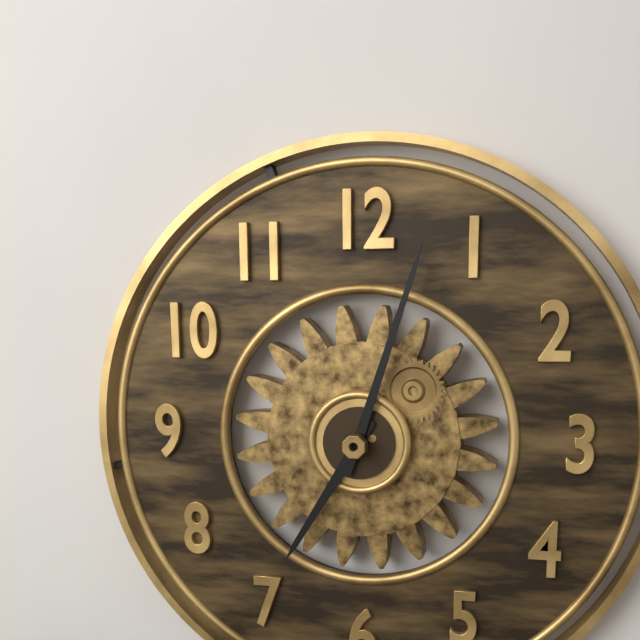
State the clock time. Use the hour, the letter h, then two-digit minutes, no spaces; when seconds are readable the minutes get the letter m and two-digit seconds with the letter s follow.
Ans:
7h03
